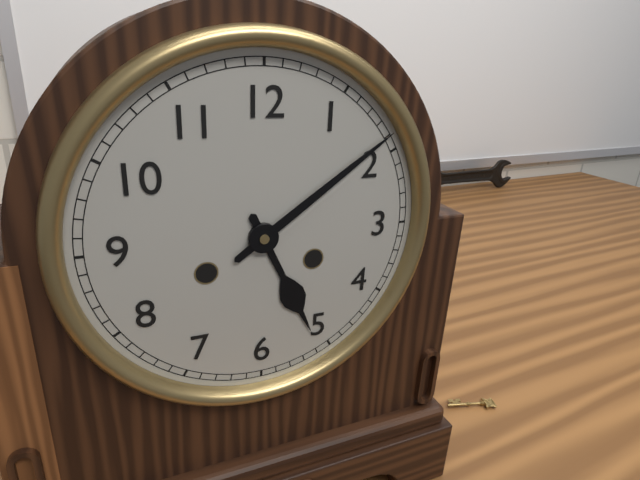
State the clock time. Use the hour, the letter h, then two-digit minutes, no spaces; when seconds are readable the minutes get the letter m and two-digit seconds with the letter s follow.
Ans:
5h09
